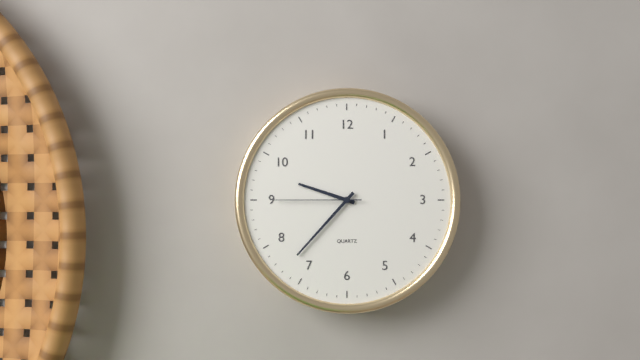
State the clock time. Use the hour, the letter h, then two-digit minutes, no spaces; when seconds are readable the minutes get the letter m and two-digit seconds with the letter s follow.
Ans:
9h37m45s
